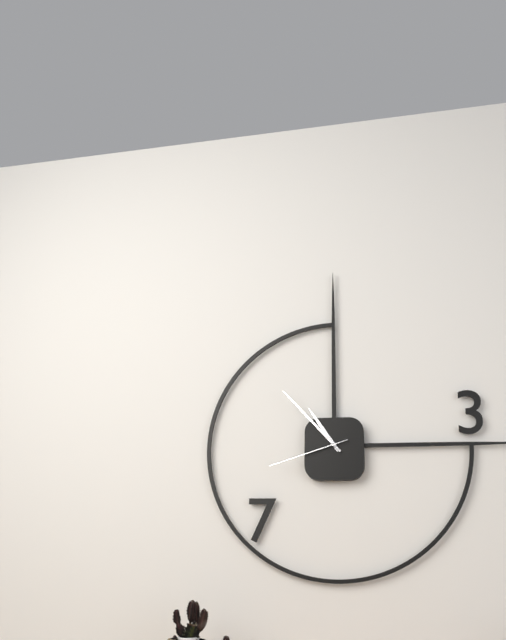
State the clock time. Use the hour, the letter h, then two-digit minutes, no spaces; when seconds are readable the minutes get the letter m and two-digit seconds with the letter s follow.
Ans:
10h53m42s
